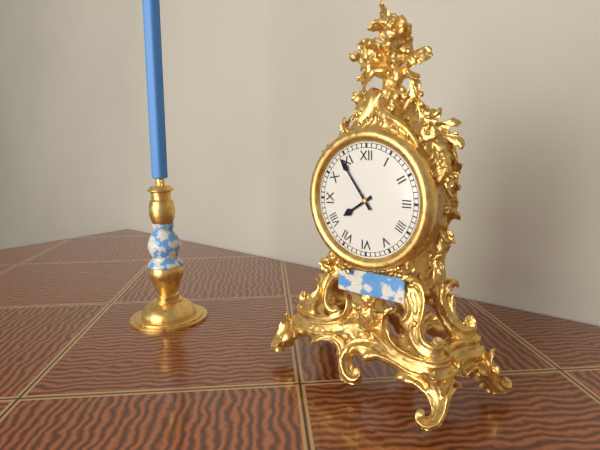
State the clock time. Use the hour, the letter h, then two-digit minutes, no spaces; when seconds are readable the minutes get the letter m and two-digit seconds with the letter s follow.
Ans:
7h54
